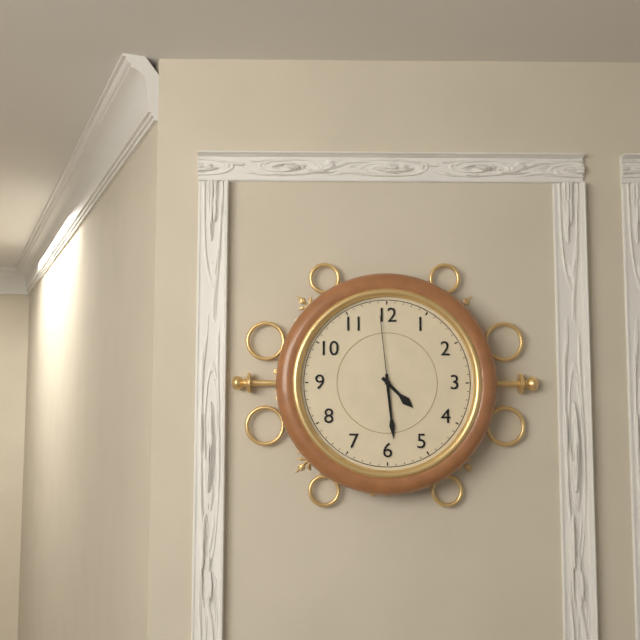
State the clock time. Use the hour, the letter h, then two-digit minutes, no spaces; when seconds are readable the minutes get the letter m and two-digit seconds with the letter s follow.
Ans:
4h29m59s
